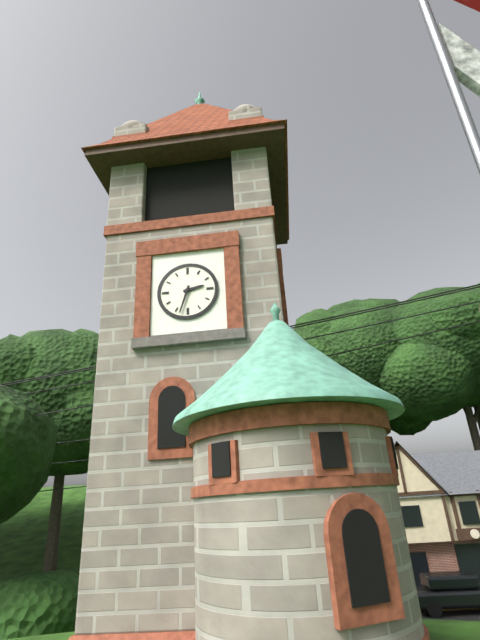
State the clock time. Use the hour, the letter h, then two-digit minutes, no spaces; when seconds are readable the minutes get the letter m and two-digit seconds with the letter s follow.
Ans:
2h33
